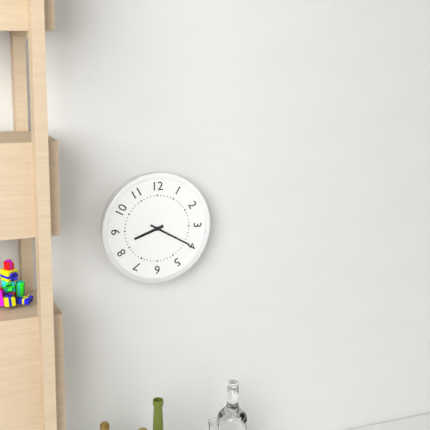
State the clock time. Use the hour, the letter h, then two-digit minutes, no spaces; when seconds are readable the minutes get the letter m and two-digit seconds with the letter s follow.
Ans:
8h20
